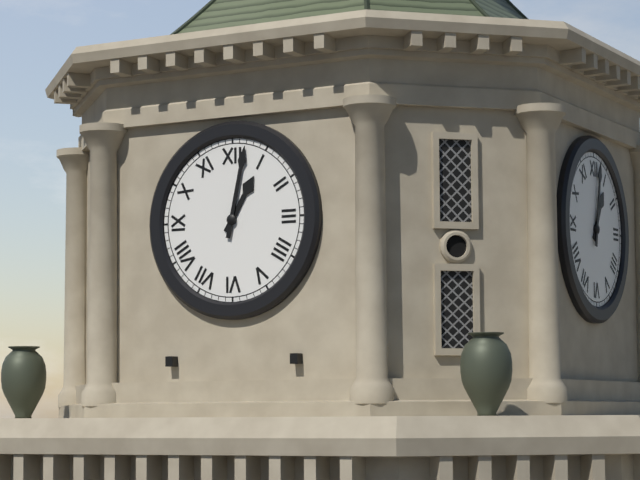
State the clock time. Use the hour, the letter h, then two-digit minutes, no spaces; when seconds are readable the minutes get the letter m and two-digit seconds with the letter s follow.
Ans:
1h02
